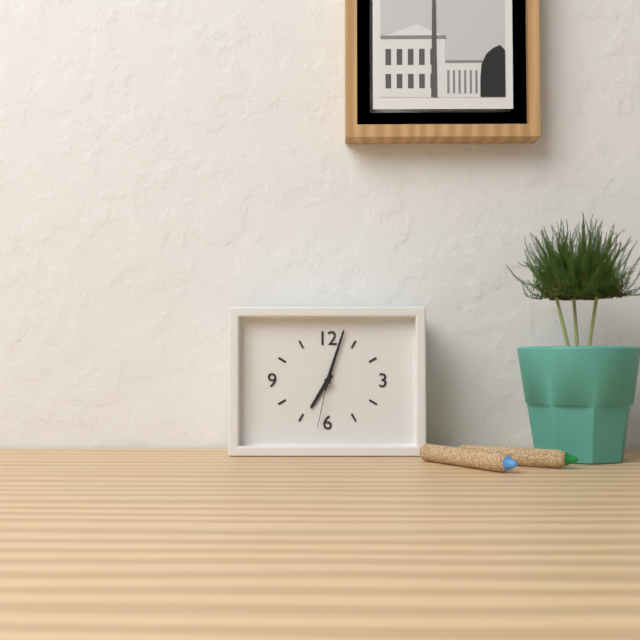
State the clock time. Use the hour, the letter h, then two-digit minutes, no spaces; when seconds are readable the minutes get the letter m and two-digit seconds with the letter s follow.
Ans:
7h03m32s
